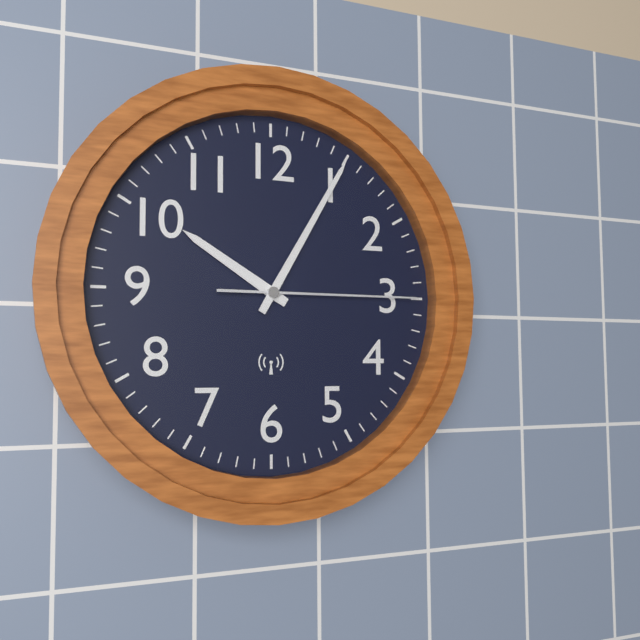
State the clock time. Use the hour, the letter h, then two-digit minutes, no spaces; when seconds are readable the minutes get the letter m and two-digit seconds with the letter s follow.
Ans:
10h05m15s
